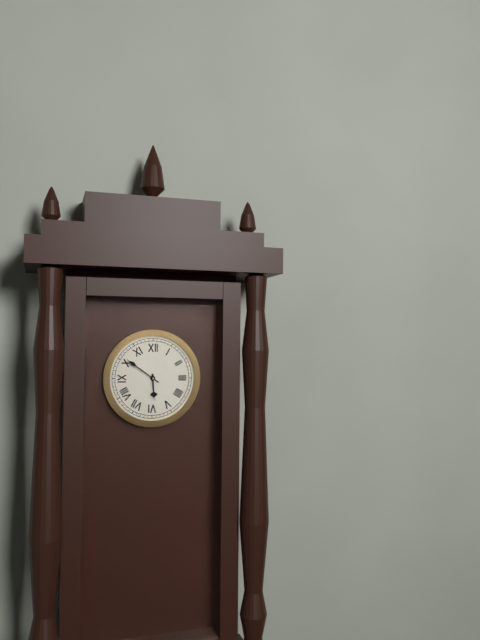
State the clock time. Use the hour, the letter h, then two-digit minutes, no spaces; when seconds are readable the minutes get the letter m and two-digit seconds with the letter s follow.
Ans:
5h51
